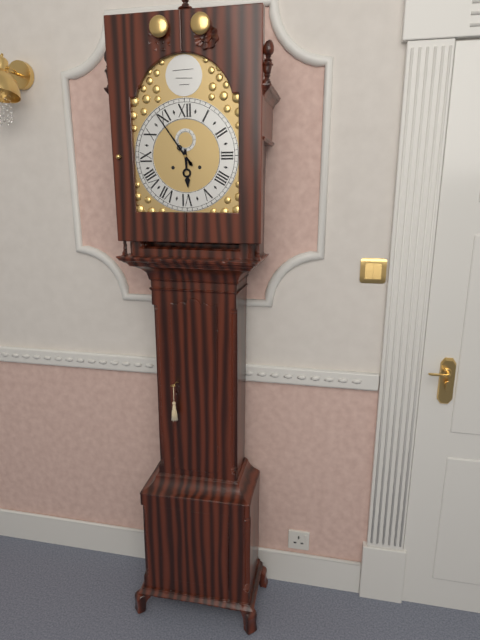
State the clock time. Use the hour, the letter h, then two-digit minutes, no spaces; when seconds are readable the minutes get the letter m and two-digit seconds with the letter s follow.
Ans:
5h54
